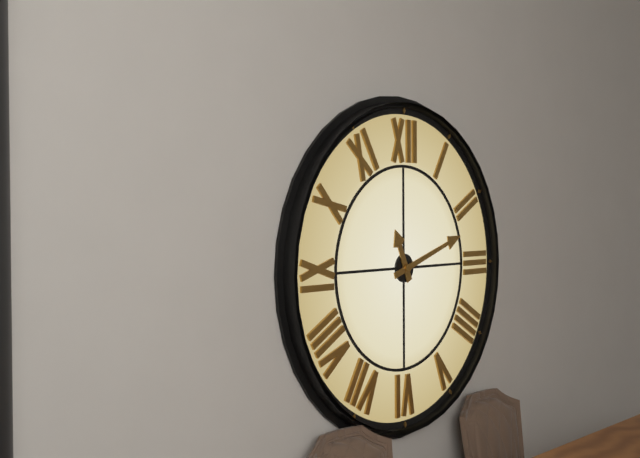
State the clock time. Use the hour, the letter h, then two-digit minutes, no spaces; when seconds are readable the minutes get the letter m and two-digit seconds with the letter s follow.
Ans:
11h12
